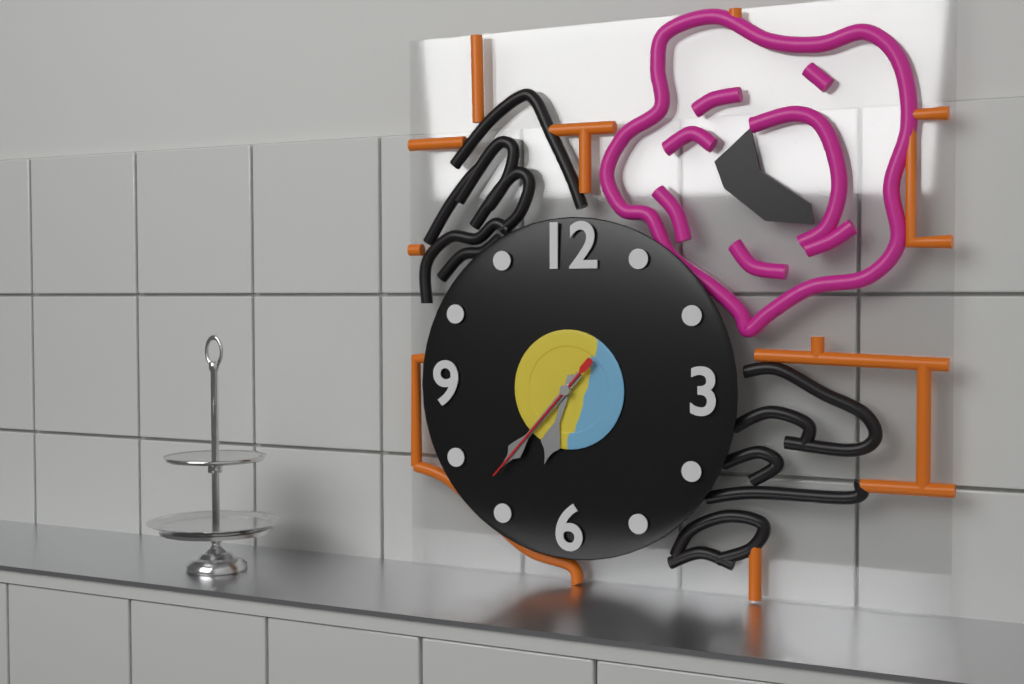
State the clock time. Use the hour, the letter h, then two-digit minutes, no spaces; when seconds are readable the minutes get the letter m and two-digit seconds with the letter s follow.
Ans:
6h37m37s
